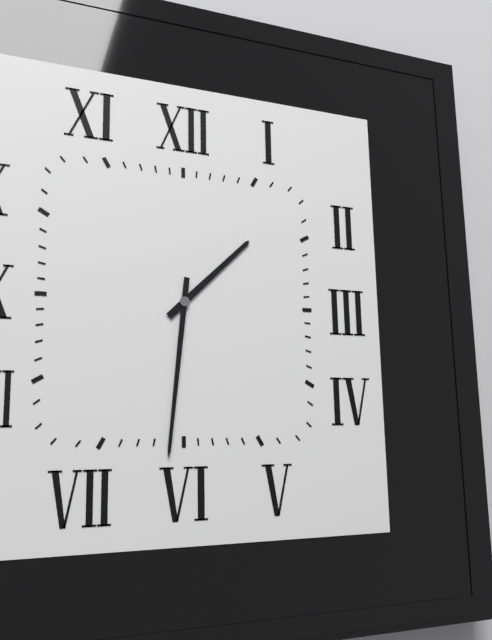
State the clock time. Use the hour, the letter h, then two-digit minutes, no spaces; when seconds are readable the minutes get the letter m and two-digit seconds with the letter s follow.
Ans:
1h31
